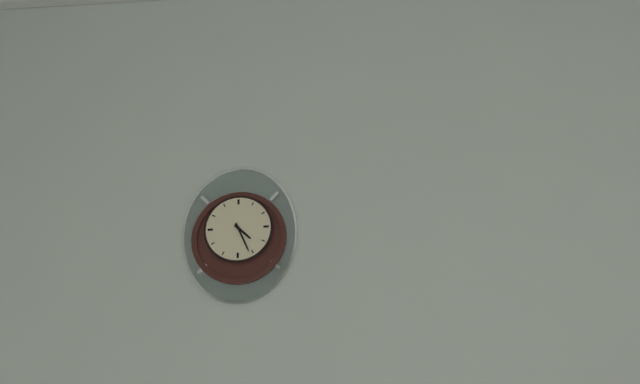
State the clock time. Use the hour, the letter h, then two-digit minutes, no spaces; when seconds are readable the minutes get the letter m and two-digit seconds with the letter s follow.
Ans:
4h26
